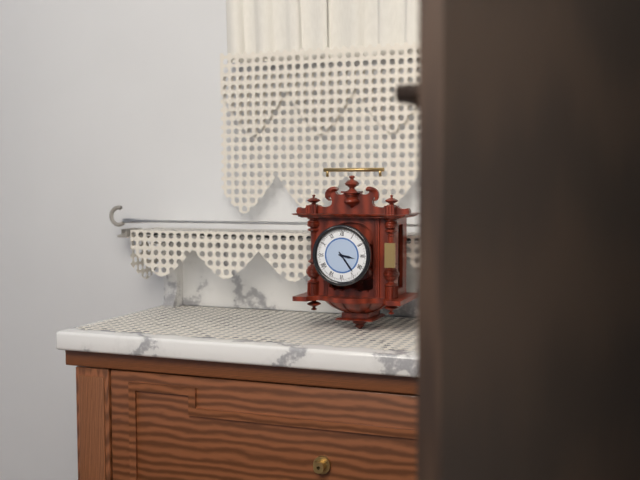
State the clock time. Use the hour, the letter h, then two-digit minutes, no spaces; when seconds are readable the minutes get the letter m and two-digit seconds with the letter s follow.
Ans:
3h24
